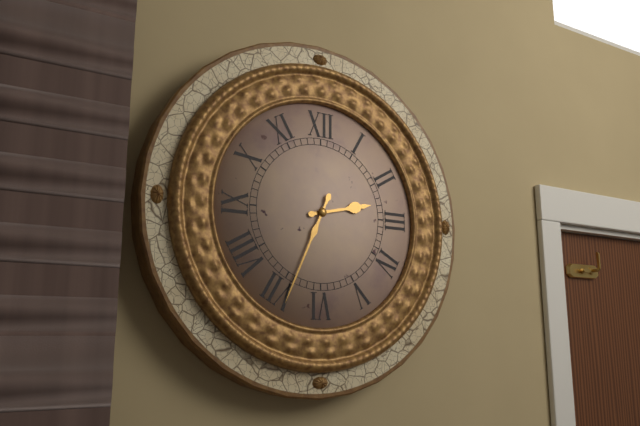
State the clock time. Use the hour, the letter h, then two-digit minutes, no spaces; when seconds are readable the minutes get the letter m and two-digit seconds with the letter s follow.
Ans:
2h34
